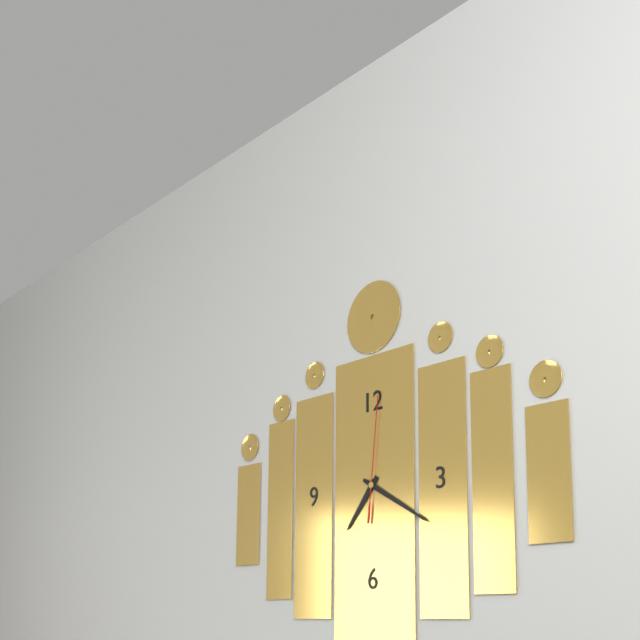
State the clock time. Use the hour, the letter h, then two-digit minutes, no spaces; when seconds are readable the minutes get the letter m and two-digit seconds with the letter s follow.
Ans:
7h20m01s
